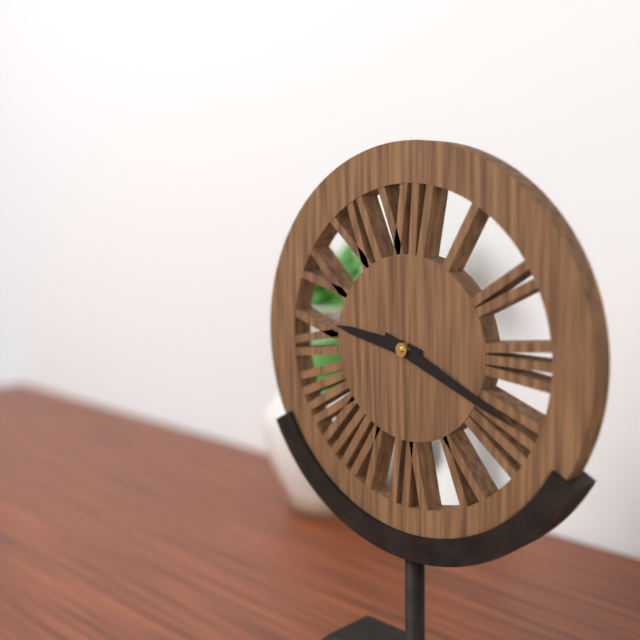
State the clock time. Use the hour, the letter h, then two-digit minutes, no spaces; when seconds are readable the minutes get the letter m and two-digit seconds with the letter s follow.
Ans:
9h19
